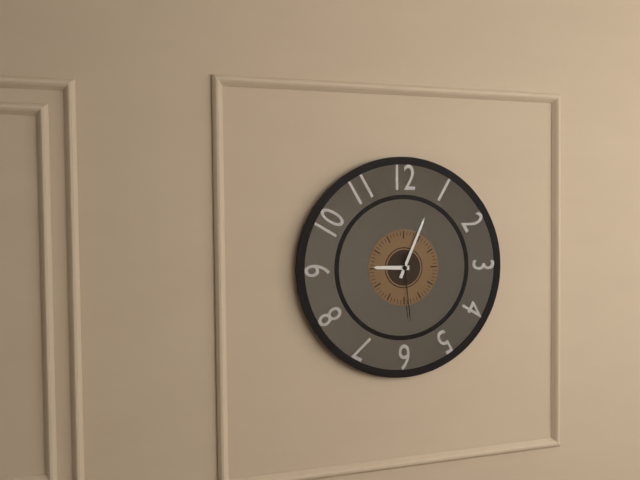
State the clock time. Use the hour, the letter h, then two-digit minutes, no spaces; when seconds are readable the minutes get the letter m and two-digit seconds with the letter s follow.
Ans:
9h04m29s
